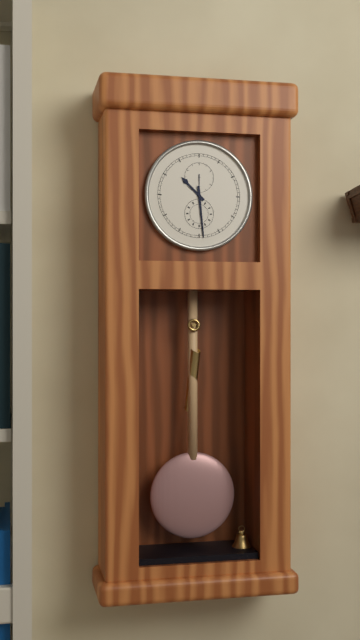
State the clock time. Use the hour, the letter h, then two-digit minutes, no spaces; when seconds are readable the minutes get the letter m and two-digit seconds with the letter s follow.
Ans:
10h29
